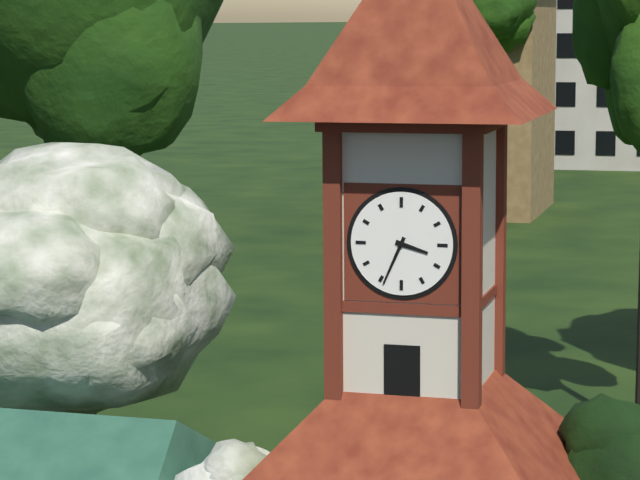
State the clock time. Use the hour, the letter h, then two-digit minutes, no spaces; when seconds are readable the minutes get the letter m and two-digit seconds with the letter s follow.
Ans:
3h34
